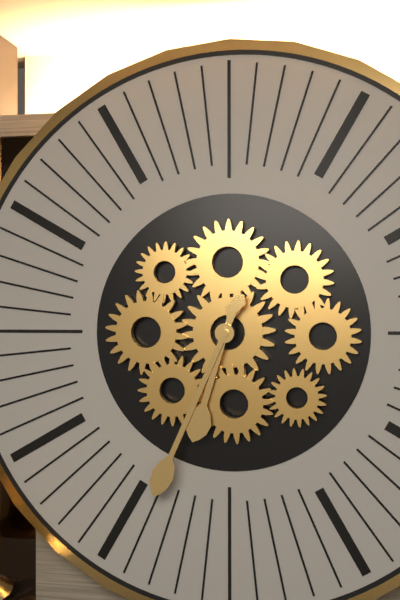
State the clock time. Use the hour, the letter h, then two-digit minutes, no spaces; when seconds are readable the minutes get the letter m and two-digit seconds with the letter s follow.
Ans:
6h34
